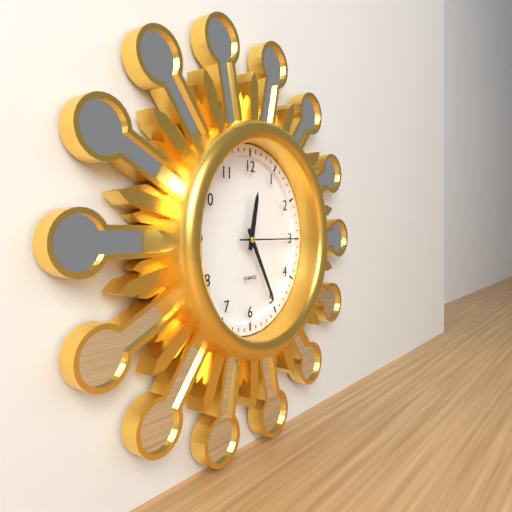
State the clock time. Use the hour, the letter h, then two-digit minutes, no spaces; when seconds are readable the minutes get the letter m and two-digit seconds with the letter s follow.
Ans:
12h25m15s
